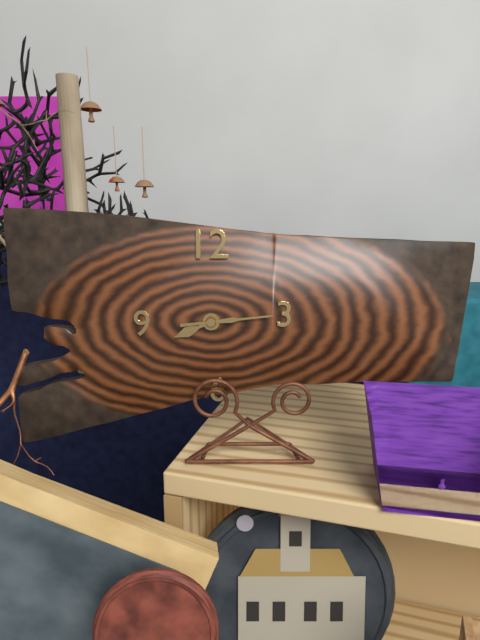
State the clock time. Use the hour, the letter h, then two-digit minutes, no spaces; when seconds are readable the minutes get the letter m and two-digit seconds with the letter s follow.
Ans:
8h14
